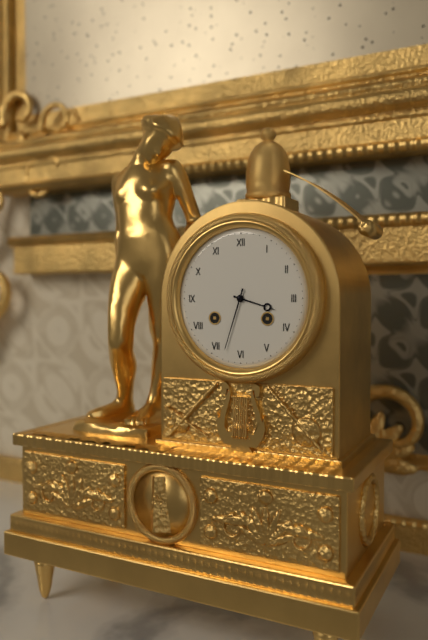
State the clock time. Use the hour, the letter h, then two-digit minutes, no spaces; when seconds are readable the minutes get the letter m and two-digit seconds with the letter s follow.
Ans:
3h33
